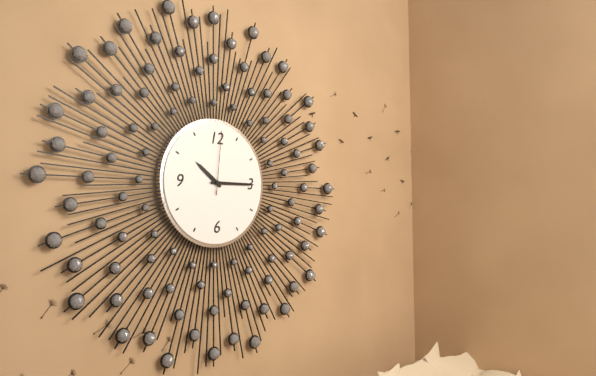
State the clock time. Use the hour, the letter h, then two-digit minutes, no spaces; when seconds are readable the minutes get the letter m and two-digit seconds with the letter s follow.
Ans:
10h15m01s
